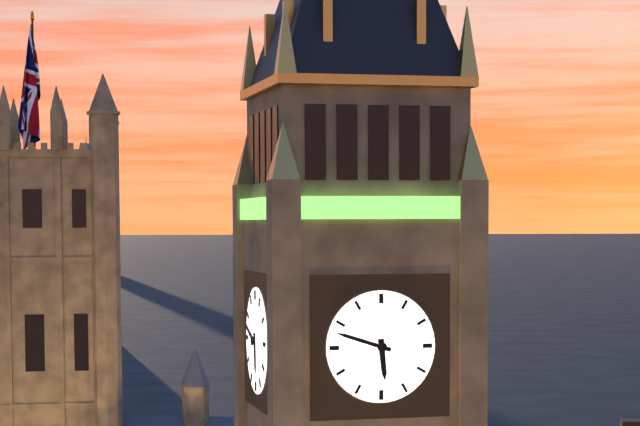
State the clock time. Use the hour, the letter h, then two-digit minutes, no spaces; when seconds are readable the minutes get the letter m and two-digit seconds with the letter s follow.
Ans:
5h48
